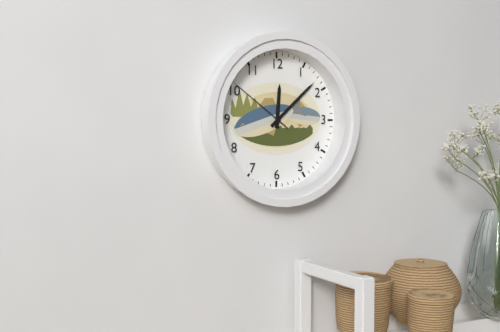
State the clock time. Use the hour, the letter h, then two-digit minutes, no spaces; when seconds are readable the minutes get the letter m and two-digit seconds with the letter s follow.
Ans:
12h08m51s
